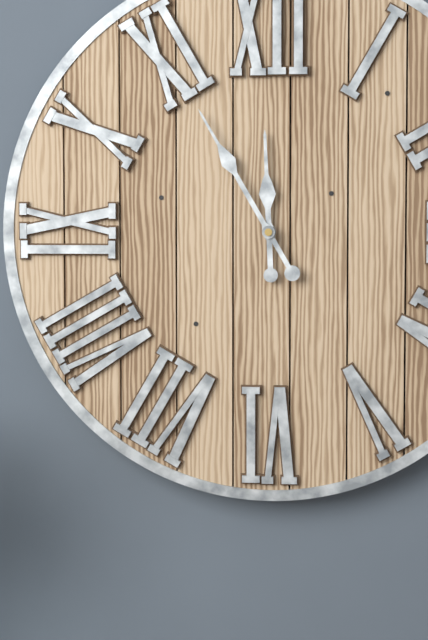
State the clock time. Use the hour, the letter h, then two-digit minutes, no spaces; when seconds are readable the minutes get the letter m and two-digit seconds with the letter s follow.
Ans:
11h55
